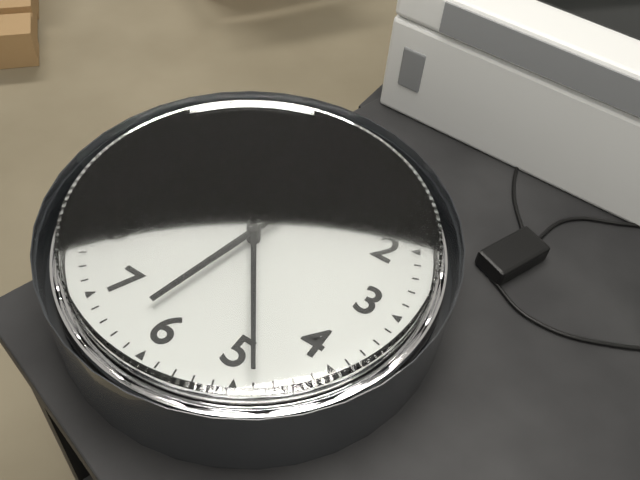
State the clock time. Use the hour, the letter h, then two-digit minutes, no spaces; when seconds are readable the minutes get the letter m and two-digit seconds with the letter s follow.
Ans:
6h24
